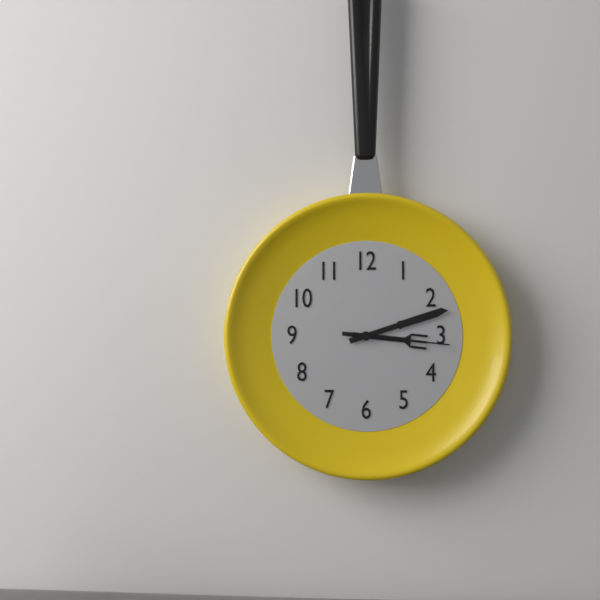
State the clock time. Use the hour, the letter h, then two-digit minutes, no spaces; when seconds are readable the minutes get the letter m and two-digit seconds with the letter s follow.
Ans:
3h12m16s
